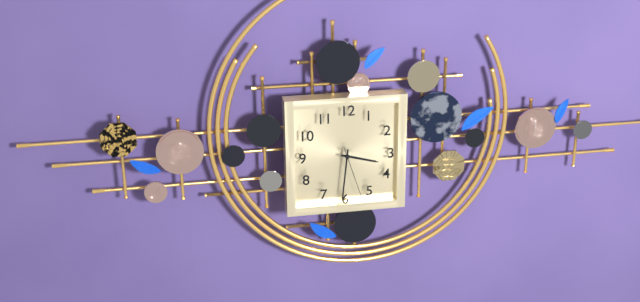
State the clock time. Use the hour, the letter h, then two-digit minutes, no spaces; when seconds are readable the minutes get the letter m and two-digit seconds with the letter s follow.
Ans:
3h31m27s
